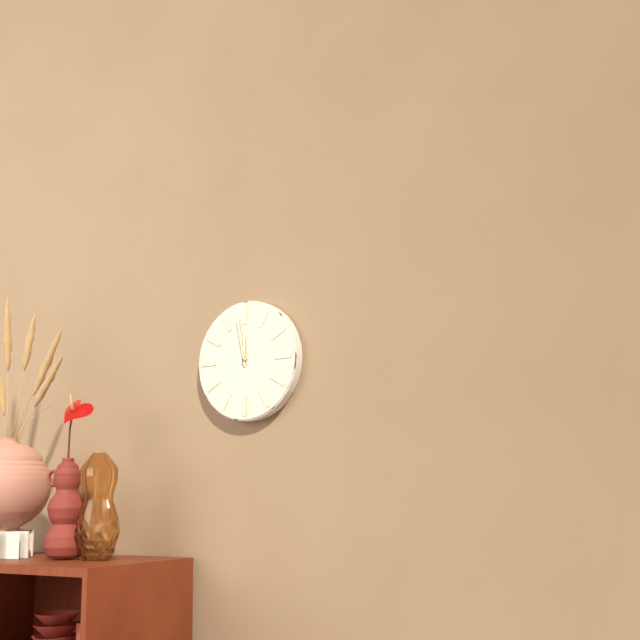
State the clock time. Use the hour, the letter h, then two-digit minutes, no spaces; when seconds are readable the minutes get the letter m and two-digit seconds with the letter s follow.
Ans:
11h58
